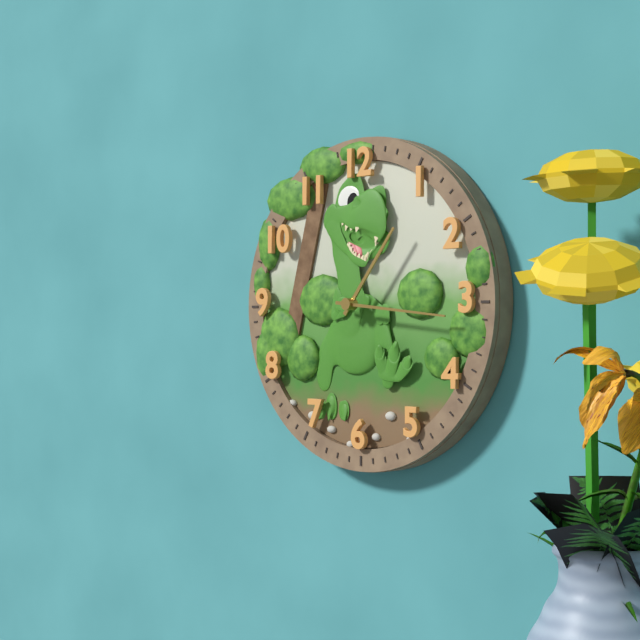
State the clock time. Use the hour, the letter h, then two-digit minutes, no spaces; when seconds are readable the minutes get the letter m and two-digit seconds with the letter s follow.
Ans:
1h16
